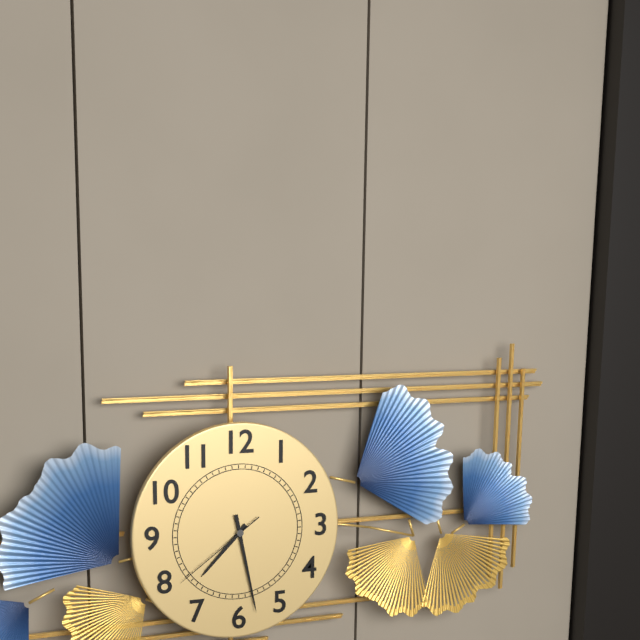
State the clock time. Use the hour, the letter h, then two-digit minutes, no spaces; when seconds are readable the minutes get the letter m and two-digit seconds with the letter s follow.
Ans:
7h28m39s
